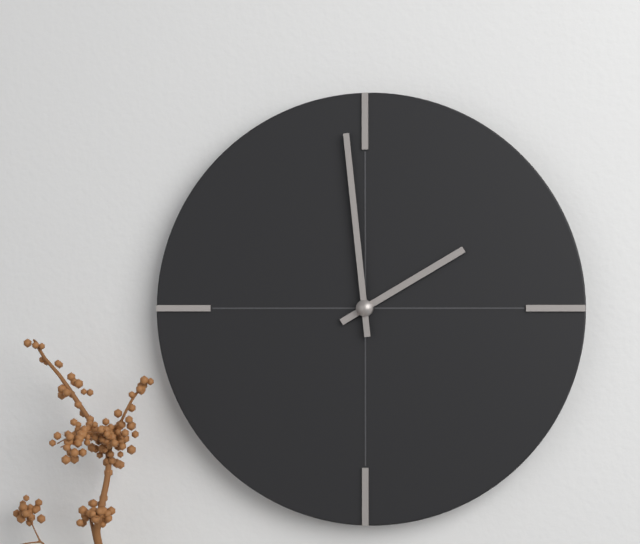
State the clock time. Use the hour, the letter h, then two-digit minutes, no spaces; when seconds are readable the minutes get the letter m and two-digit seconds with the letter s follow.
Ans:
1h59
